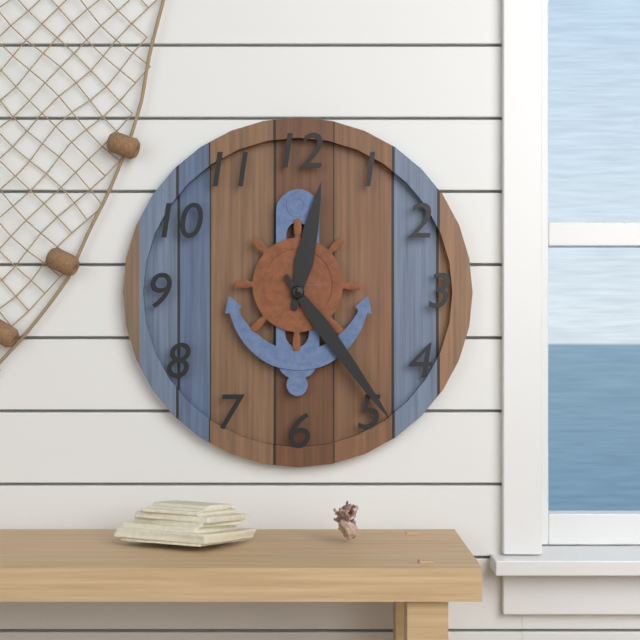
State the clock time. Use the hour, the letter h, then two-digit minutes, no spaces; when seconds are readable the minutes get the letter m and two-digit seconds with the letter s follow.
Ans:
12h24
